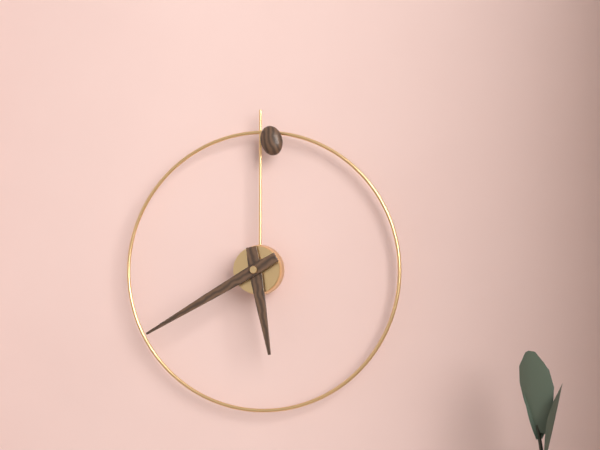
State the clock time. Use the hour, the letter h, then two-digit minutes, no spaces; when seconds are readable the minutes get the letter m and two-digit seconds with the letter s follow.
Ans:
5h40
